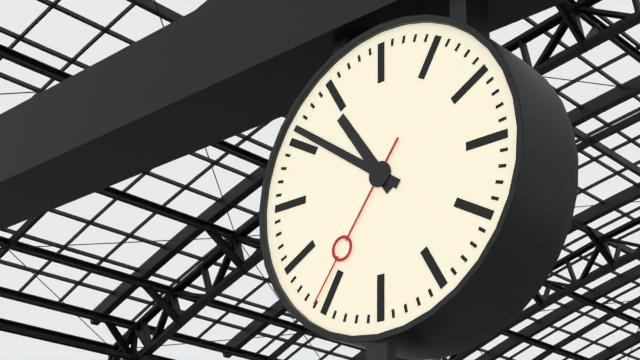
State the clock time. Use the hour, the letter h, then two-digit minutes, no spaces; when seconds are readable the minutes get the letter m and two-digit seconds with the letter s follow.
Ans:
10h51m36s
